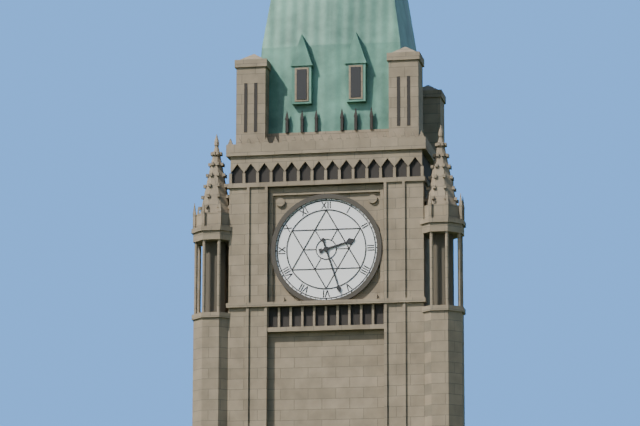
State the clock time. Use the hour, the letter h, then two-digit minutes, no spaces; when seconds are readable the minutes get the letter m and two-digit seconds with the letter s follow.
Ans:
2h27
